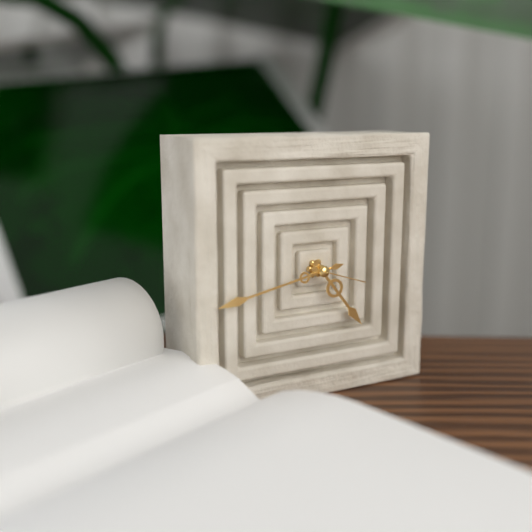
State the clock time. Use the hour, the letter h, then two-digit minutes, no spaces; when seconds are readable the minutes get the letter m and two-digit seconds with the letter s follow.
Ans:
4h43m18s
